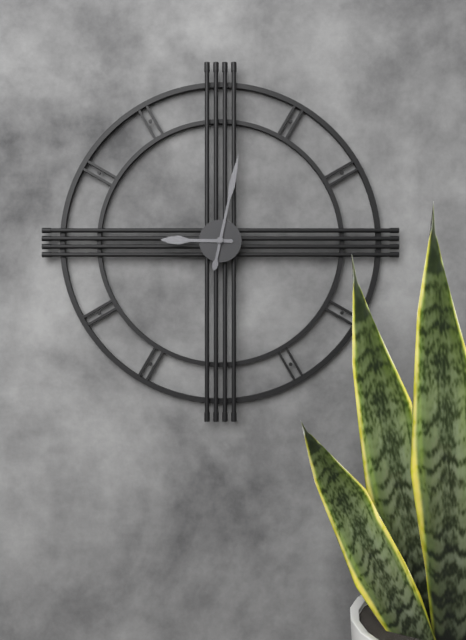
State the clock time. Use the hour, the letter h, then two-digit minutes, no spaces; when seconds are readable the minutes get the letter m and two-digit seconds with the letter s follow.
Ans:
9h02
